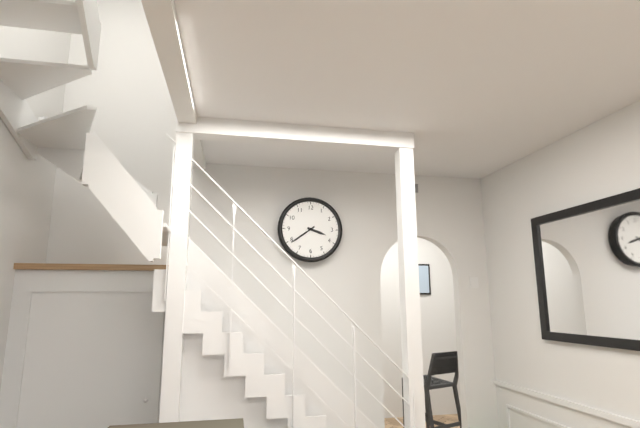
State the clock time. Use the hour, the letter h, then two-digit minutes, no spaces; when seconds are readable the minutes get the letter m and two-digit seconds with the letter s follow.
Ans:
3h39
